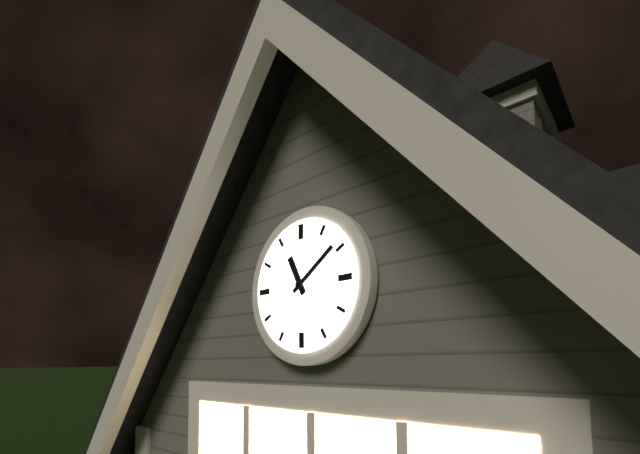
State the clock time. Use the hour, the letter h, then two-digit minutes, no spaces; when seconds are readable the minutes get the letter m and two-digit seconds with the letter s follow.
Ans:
11h09
